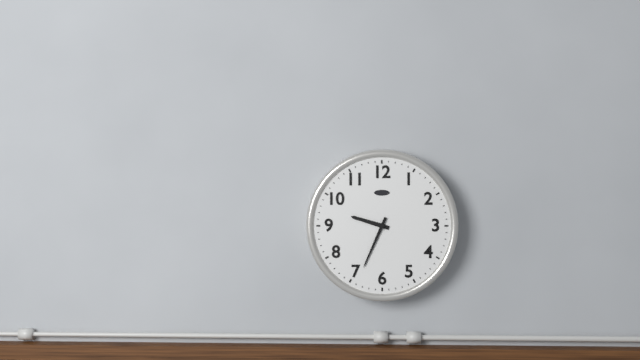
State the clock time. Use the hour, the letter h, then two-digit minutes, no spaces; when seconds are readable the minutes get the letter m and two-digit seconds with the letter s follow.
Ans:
9h34
